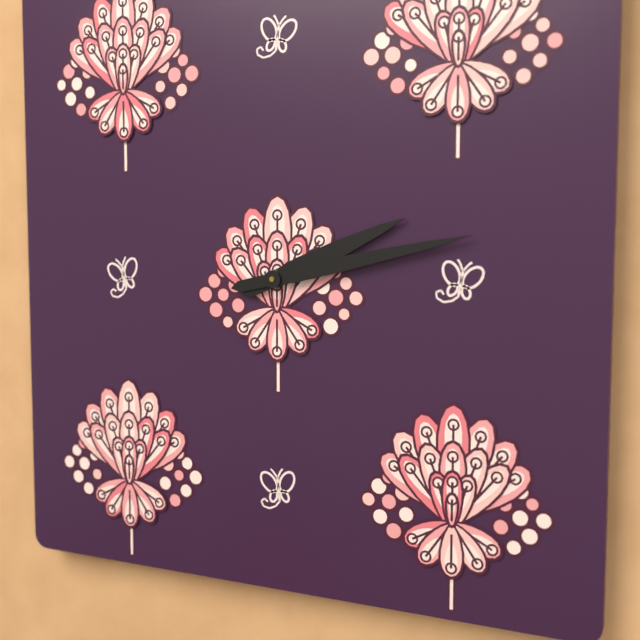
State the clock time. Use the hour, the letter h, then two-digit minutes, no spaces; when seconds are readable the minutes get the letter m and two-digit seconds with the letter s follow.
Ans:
2h13
